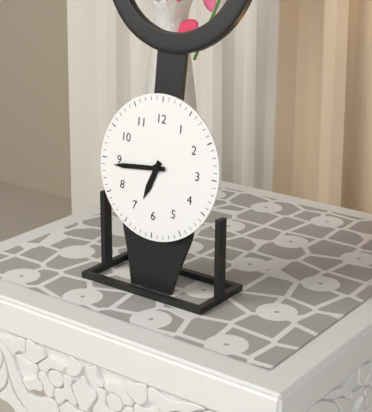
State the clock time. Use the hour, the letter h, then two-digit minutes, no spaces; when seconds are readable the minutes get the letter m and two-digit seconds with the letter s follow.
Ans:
6h44
